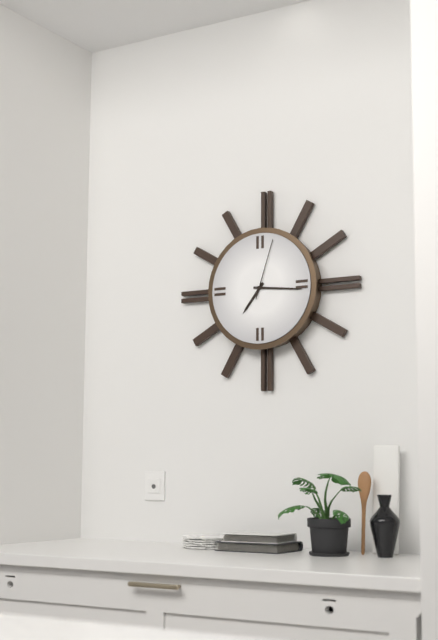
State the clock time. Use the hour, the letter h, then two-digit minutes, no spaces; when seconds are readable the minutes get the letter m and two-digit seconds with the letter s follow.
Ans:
7h16m03s
